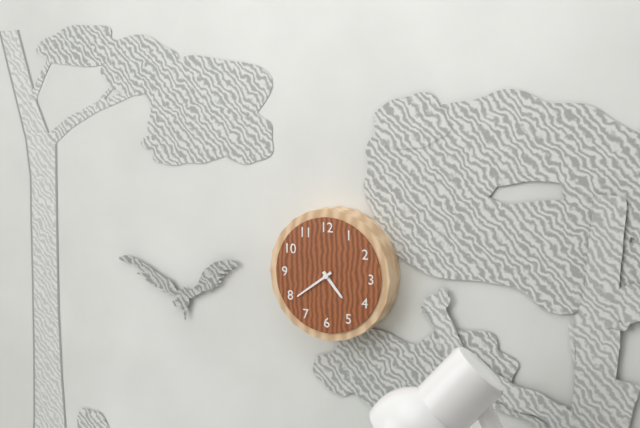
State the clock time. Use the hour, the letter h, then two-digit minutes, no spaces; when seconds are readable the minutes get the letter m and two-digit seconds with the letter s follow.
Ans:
4h39
